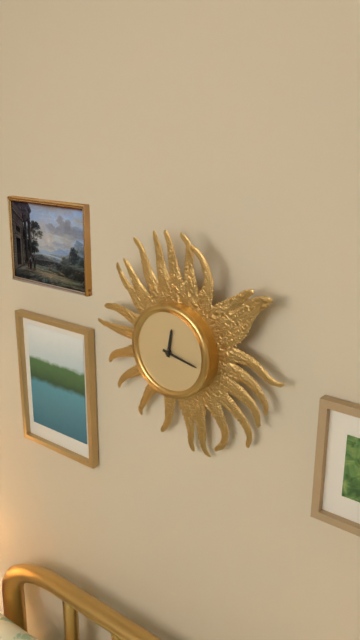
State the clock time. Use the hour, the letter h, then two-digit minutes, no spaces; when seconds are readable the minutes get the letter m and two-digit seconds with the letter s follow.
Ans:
12h17
